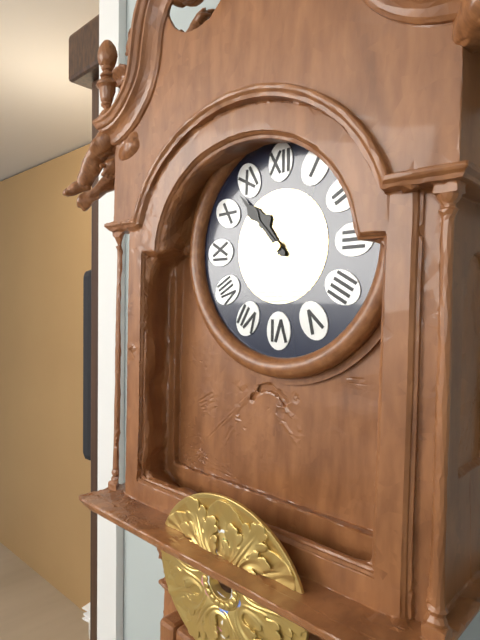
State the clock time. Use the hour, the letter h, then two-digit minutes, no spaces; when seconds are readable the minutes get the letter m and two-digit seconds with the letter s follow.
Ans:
10h53
